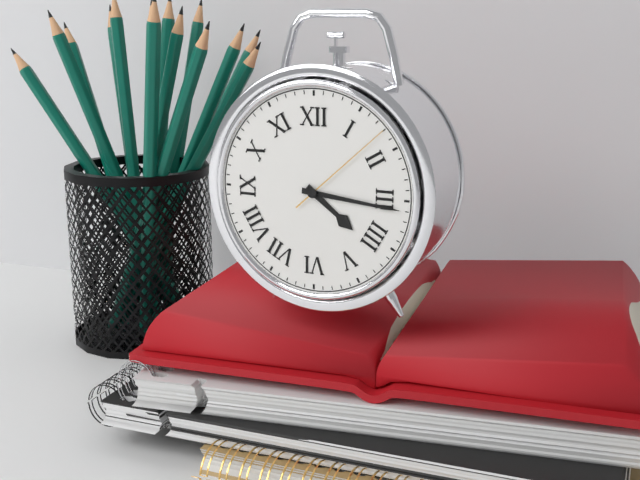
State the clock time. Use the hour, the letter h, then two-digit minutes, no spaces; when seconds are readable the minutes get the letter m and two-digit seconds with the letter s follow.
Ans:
4h16m08s
